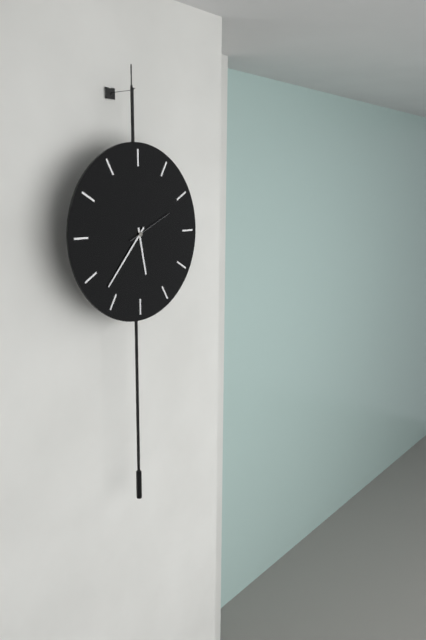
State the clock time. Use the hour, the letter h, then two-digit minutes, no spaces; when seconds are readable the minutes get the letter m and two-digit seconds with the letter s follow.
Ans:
5h37
